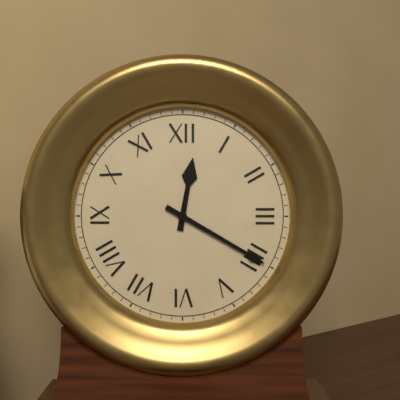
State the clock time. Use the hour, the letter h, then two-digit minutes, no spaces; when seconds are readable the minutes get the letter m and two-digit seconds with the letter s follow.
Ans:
12h20
